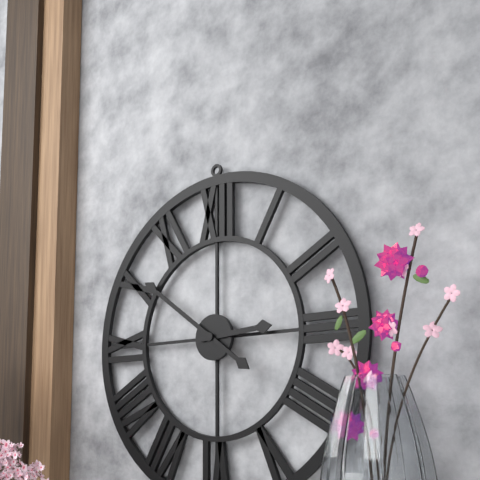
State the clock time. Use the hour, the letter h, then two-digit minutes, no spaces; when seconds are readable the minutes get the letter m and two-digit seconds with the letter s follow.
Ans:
2h51
